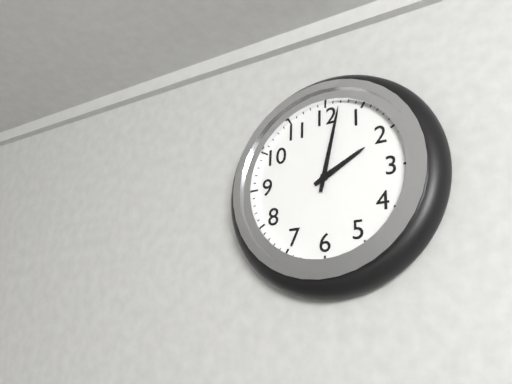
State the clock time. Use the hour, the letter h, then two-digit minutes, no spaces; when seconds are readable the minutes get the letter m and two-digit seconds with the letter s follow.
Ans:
2h02
